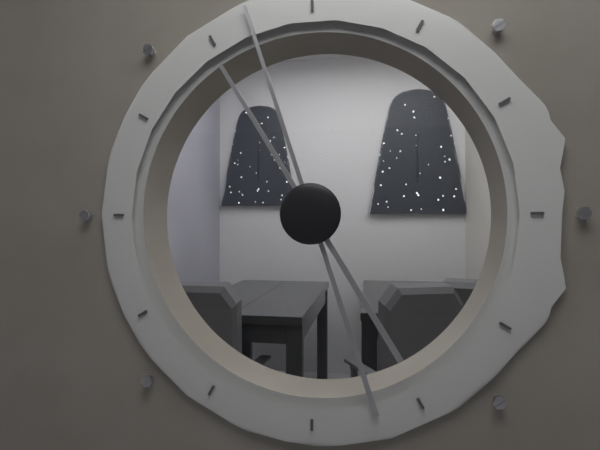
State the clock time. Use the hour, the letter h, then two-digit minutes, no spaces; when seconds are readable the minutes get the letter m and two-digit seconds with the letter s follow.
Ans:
10h57
